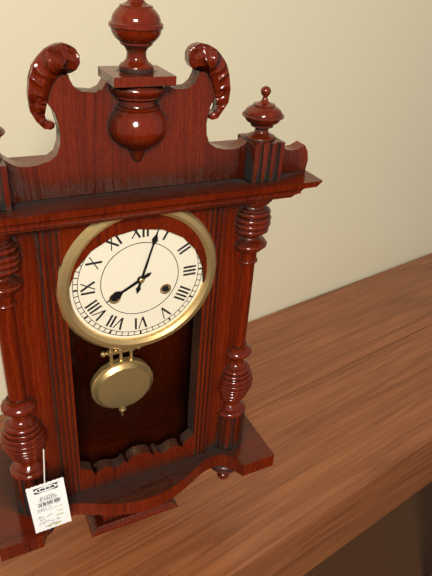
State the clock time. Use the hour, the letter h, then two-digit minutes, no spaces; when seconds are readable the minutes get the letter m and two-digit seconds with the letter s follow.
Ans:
8h03
